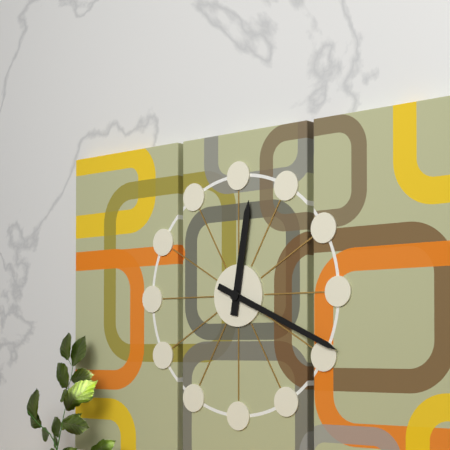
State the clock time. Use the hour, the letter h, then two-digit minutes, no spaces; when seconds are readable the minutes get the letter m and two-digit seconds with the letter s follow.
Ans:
12h19
